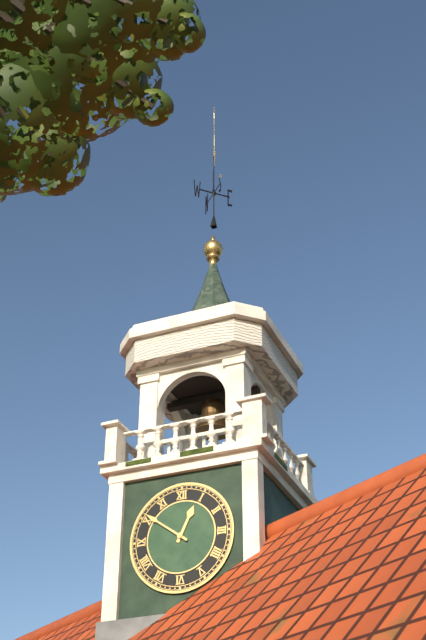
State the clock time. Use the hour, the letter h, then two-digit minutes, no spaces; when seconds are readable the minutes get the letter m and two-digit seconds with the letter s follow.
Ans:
12h51
